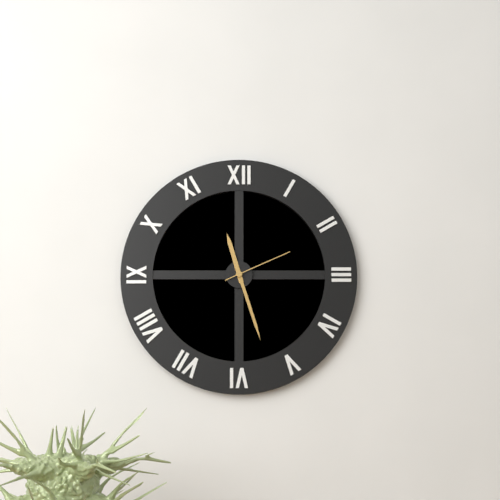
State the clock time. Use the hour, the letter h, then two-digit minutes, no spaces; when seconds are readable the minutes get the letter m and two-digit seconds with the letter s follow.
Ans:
11h27m11s
